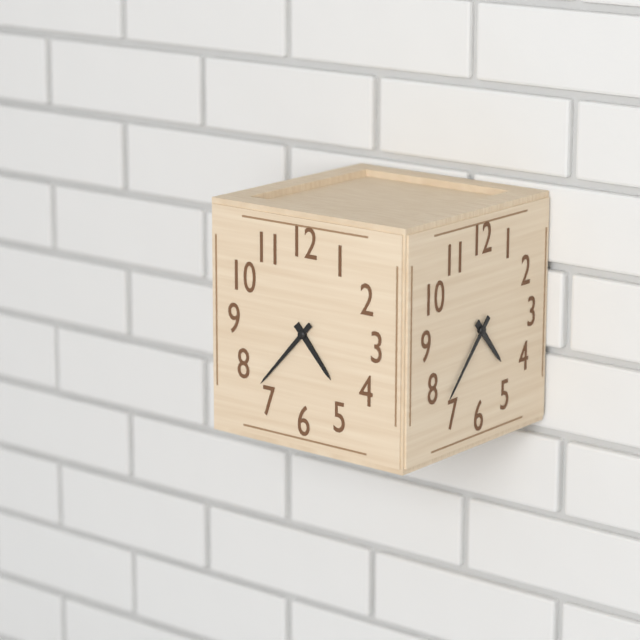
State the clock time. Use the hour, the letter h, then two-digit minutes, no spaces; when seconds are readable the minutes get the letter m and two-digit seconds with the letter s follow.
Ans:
4h37
